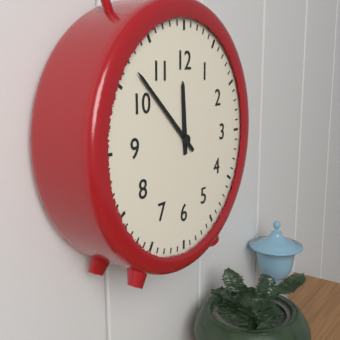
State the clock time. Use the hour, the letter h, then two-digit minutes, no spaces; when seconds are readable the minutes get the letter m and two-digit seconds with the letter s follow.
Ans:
11h52
